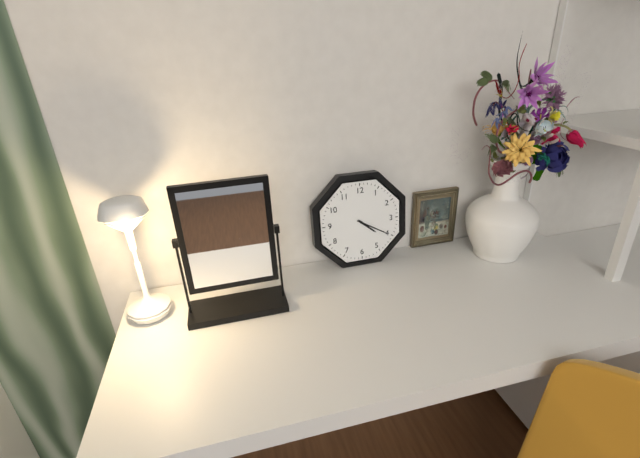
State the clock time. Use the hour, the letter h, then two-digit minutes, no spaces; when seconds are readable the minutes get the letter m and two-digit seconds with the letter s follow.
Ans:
4h20
